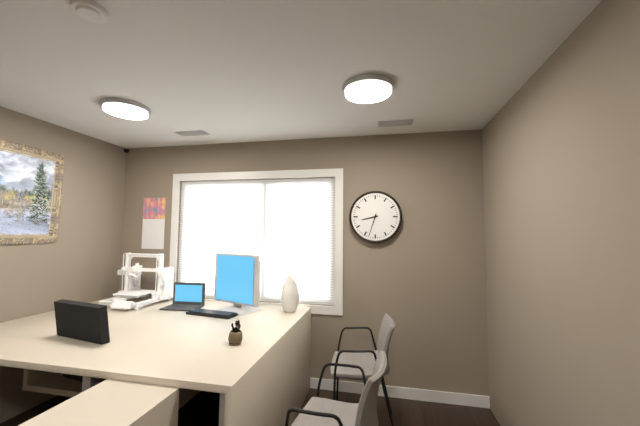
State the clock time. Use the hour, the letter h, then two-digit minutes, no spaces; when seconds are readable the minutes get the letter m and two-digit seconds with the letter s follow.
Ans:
8h33
